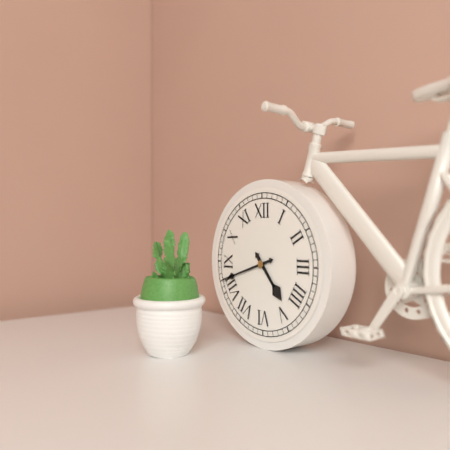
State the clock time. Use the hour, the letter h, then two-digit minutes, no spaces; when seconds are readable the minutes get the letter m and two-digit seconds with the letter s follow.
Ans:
4h42
